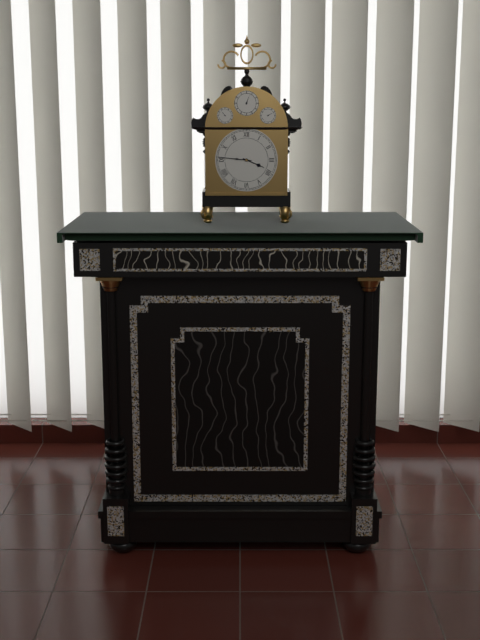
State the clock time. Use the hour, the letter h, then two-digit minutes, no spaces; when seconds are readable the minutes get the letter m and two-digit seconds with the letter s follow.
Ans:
3h46
